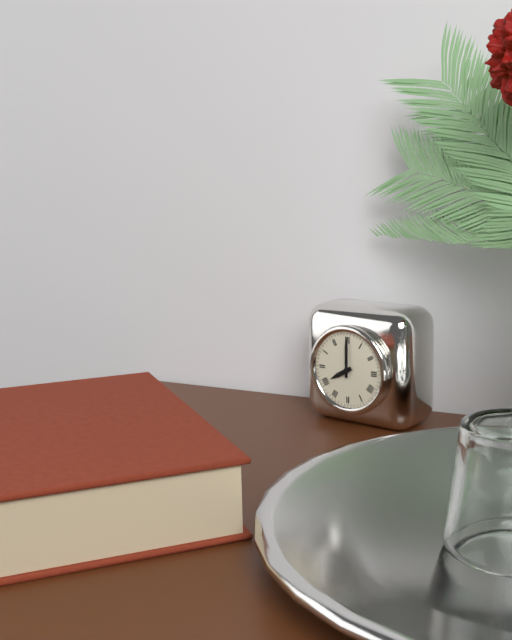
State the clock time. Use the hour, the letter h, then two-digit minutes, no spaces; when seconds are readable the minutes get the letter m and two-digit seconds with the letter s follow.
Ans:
8h00
